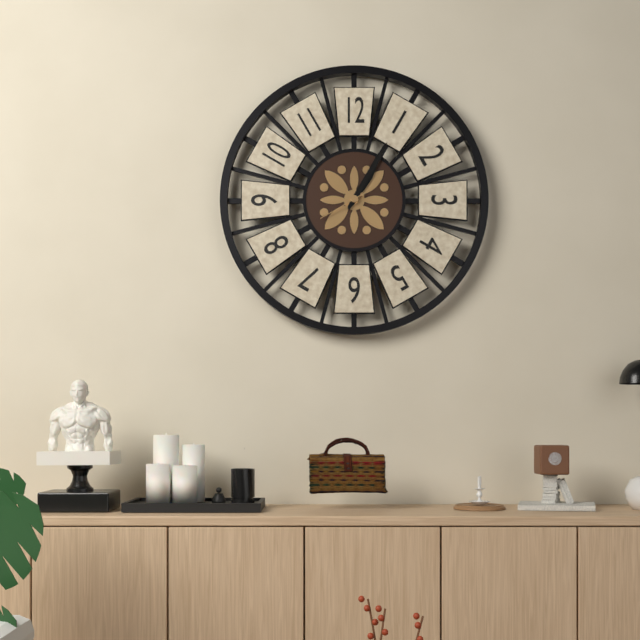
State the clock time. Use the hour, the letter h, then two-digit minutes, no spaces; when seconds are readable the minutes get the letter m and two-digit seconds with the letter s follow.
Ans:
1h05
